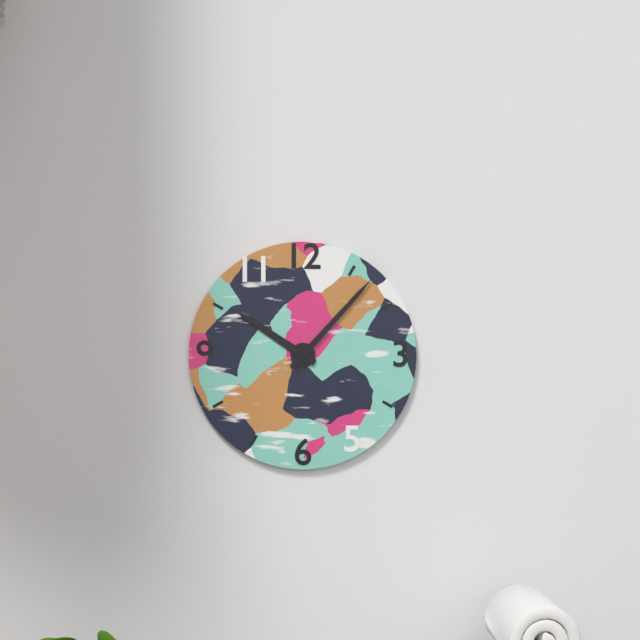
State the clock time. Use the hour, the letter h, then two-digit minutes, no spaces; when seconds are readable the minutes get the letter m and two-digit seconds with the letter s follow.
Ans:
10h07
